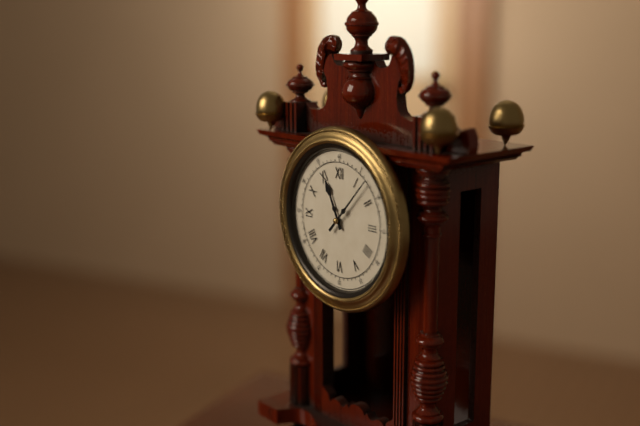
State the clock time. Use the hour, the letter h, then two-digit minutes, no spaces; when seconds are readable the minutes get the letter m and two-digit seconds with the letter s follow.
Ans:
11h07
